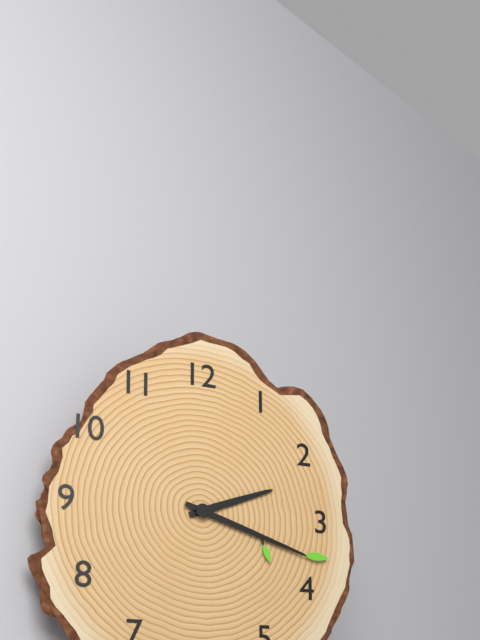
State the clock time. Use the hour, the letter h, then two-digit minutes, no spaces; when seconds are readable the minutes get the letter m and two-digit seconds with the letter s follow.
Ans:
2h18
